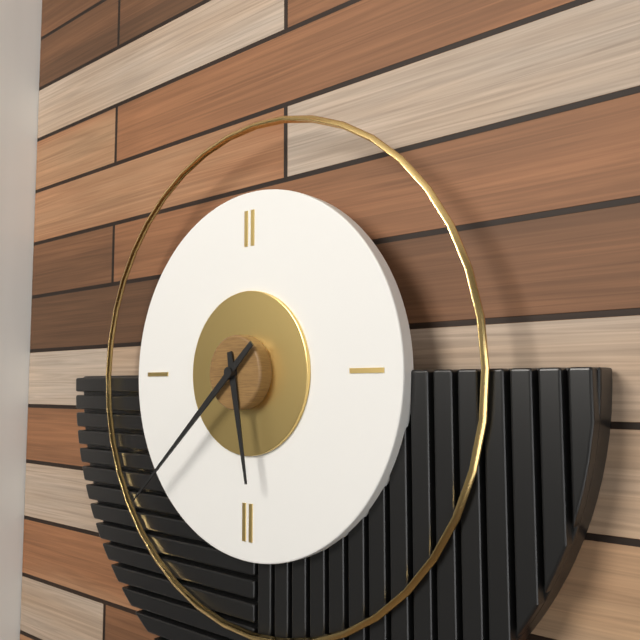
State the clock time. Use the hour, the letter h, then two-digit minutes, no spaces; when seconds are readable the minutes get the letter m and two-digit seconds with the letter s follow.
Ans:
5h38
